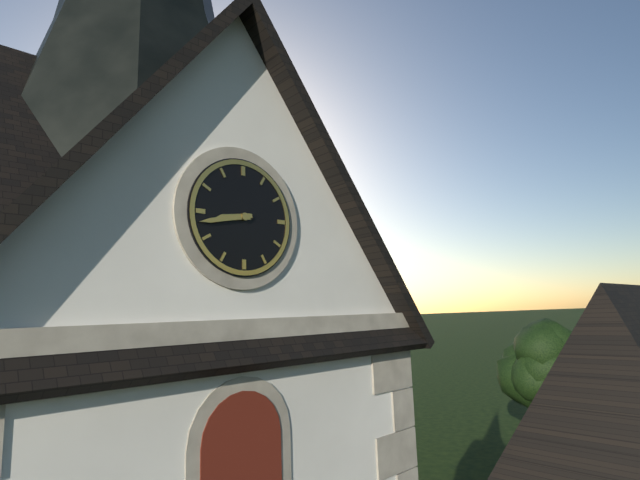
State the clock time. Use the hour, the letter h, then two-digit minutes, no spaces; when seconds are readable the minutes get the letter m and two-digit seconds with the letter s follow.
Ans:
8h43
